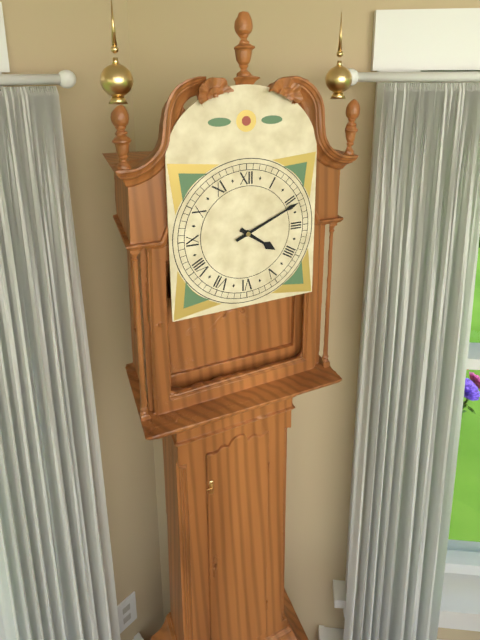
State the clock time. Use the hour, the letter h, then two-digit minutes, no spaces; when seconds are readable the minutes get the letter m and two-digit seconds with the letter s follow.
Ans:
4h11
